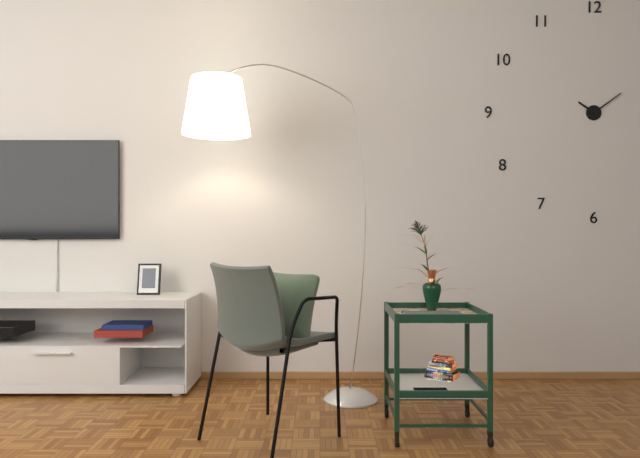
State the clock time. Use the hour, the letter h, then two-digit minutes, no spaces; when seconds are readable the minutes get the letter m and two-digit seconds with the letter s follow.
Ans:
10h09
